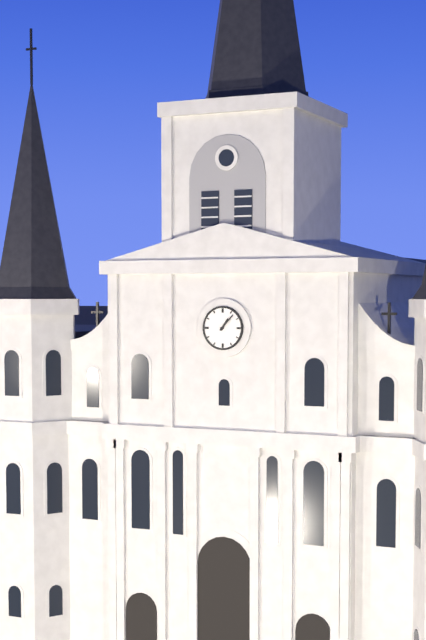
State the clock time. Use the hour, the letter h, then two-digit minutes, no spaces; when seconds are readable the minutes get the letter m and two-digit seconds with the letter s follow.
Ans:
1h07
